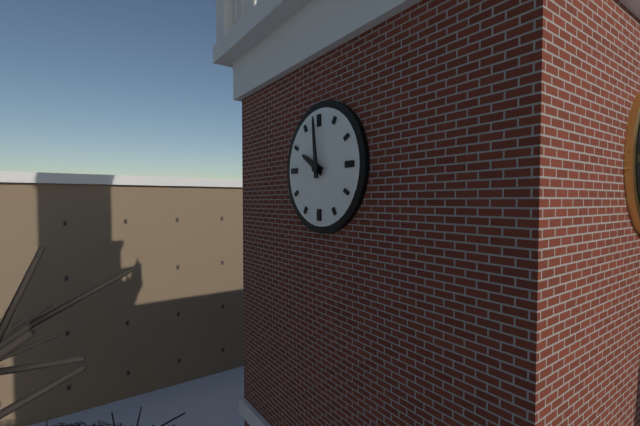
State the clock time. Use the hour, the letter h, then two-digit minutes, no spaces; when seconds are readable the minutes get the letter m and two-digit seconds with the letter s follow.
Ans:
9h59
